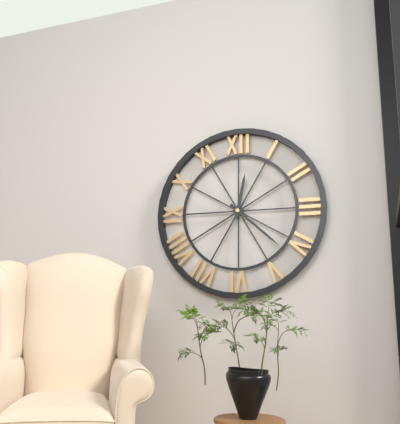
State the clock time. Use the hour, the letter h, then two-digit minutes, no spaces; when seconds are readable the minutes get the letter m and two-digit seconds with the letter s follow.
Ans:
12h22
